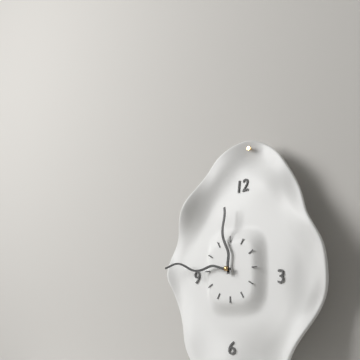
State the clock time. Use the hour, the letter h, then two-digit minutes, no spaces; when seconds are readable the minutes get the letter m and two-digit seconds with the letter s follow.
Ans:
11h46
